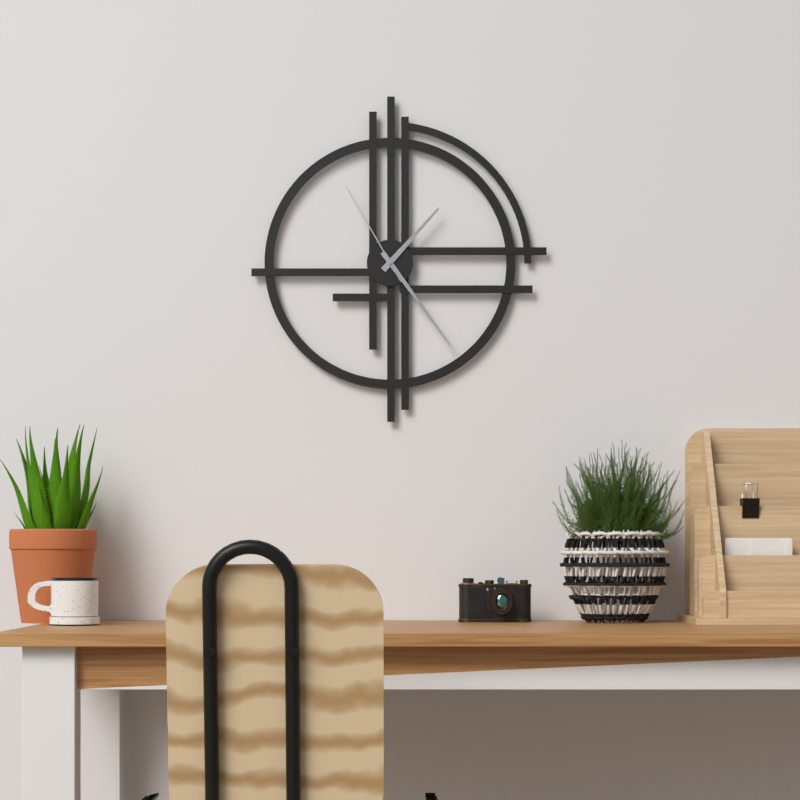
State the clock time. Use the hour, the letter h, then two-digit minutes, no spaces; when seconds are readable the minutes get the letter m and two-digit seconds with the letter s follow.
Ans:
1h24m55s
